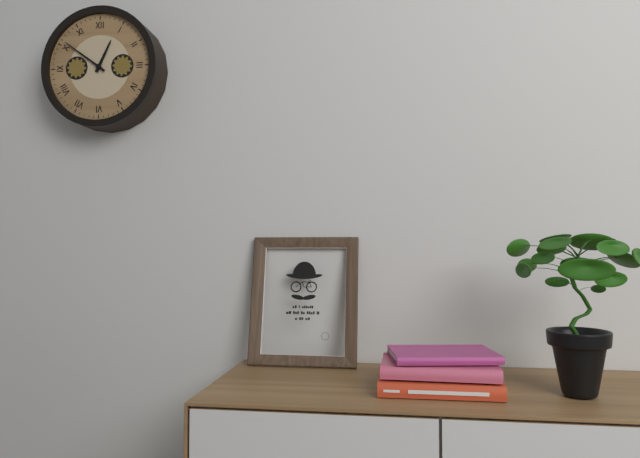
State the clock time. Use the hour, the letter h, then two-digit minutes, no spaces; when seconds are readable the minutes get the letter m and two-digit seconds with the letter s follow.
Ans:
12h51
